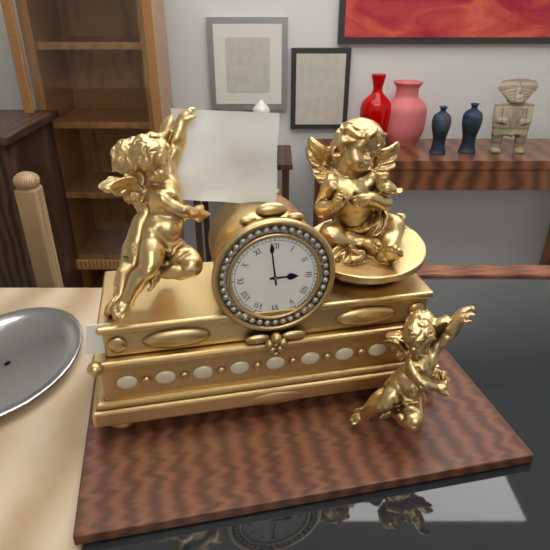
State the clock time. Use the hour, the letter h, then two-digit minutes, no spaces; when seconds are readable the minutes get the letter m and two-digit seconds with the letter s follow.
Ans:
2h59
